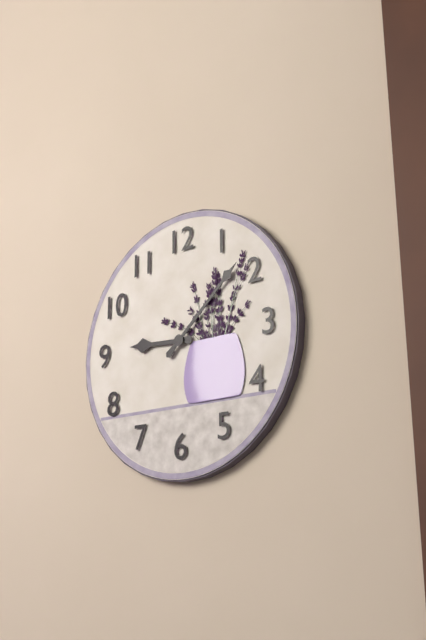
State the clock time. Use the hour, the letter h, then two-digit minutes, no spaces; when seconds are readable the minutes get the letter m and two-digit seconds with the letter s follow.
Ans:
9h08
